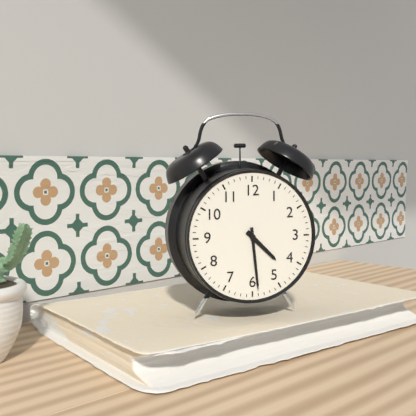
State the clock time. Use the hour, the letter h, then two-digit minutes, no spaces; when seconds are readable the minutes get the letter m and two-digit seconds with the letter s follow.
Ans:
4h29
